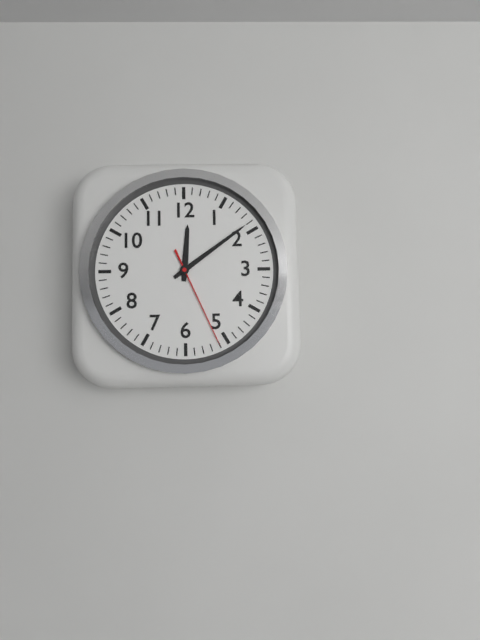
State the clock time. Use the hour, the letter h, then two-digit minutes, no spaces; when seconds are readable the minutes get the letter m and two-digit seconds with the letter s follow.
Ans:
12h09m26s
